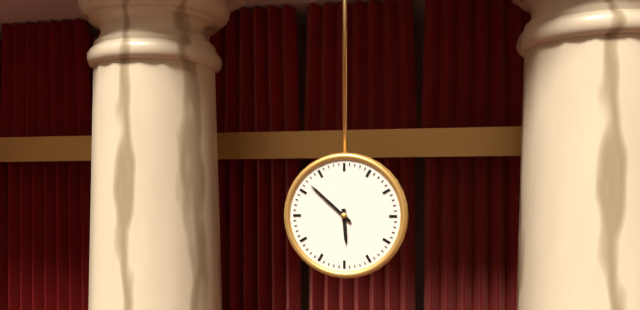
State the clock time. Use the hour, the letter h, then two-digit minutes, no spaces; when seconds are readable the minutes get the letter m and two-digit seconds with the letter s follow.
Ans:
5h52
